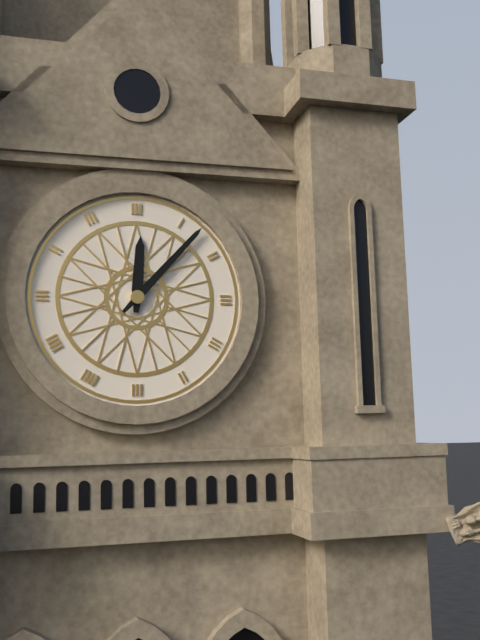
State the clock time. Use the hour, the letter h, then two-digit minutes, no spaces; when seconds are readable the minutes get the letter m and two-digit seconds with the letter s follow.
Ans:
12h07
